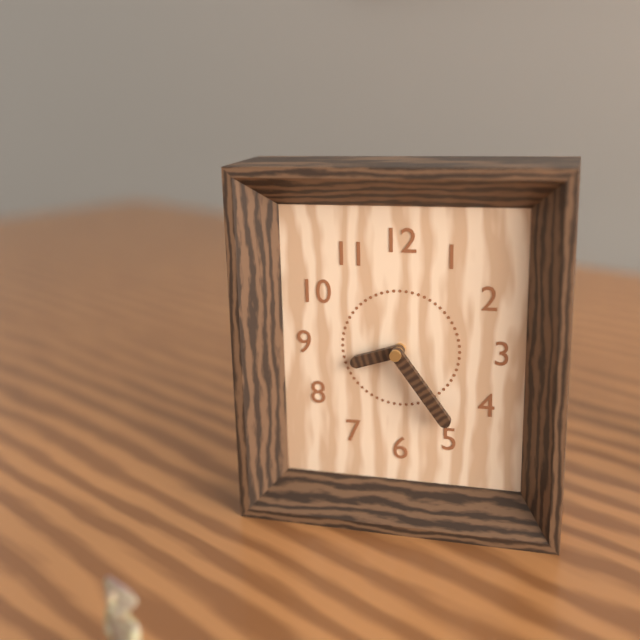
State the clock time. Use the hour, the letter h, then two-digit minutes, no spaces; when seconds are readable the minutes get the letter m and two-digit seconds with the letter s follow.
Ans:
8h24
